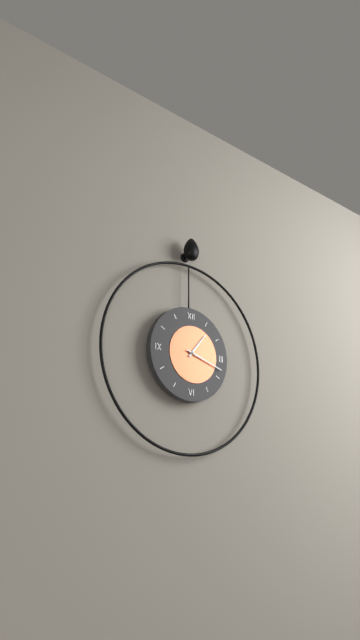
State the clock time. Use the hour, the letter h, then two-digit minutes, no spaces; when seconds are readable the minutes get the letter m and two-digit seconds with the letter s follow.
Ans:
1h18
